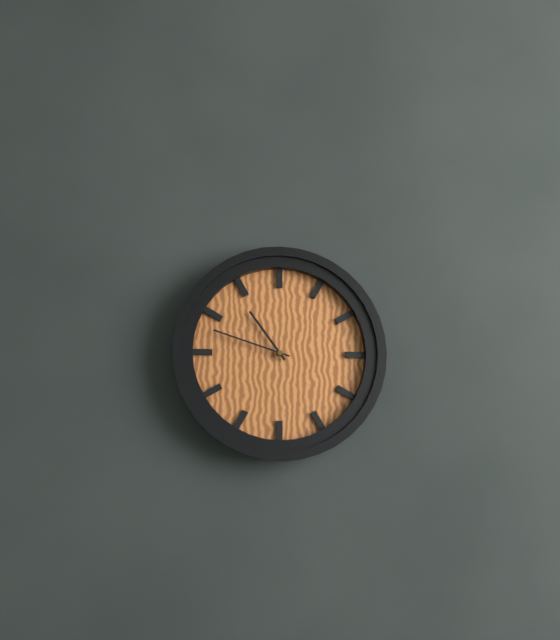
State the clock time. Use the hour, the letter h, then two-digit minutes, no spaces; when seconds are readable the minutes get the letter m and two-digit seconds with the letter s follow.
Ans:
10h48
